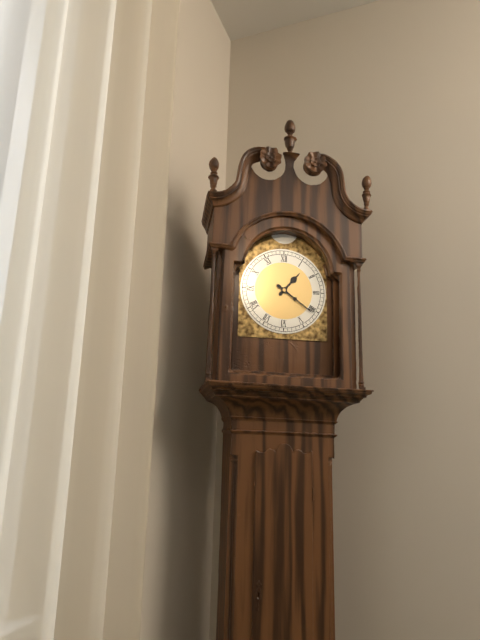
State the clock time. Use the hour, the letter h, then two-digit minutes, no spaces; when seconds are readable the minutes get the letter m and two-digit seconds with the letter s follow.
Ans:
1h21
